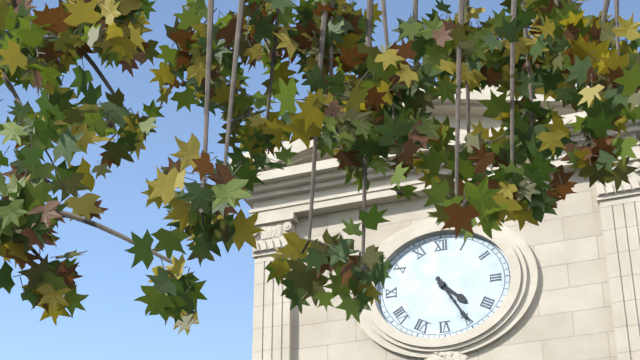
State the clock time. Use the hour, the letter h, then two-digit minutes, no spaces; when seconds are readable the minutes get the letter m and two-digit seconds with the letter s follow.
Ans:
4h25
